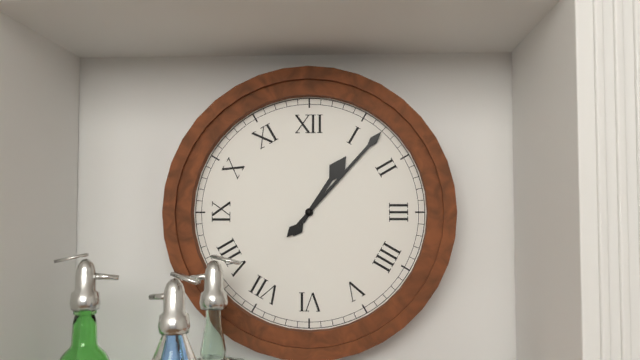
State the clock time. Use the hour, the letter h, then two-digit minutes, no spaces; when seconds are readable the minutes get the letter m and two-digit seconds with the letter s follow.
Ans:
1h07
